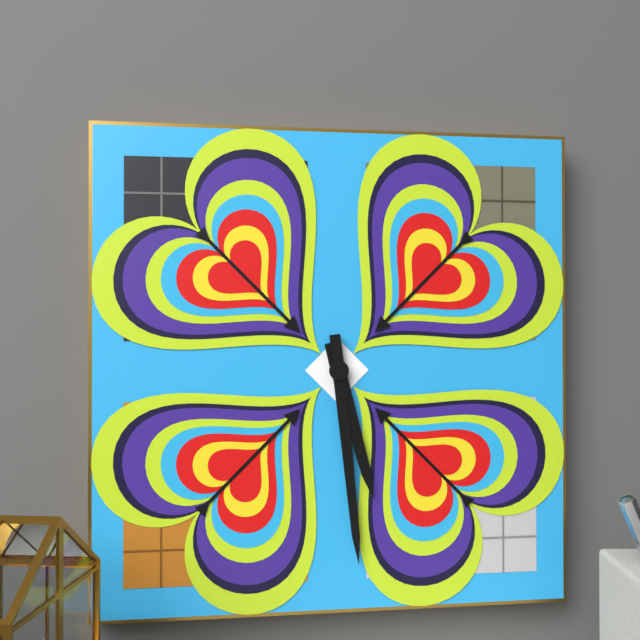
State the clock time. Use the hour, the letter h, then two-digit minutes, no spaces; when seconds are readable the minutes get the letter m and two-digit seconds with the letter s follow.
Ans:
5h29
